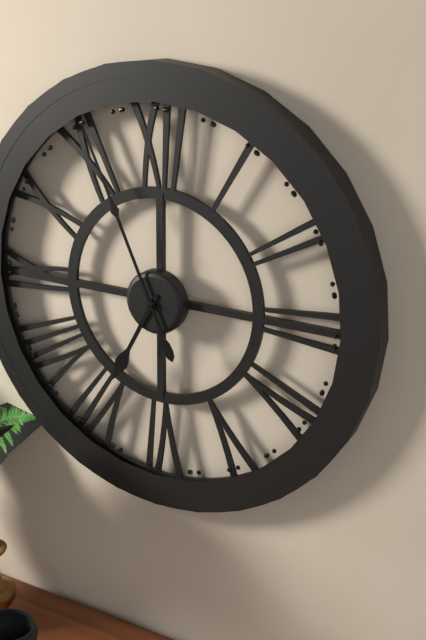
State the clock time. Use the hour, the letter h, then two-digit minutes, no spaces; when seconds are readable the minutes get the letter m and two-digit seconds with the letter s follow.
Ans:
6h56
